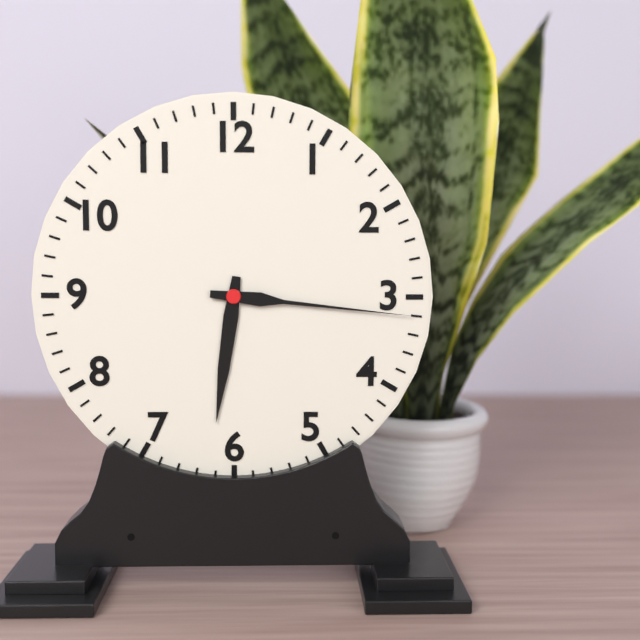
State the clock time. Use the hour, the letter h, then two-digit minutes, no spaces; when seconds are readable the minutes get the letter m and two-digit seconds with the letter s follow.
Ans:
6h16
